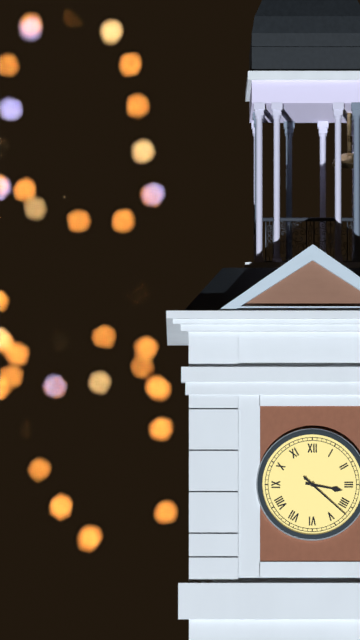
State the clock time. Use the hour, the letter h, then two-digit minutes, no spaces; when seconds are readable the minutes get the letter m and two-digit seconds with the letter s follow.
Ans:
3h22
